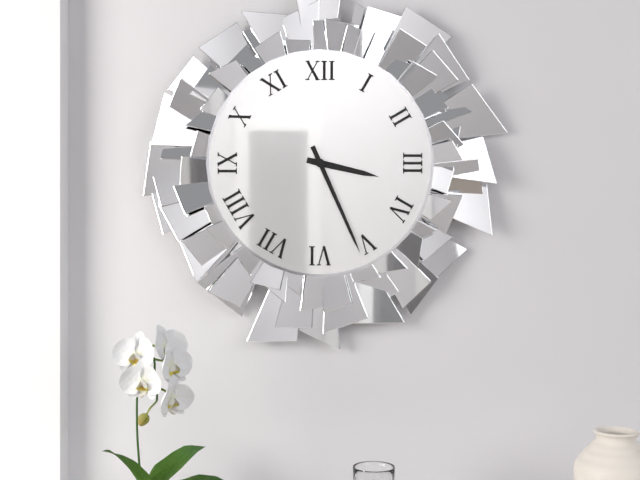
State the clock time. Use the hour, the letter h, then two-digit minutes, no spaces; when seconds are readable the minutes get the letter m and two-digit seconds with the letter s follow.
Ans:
3h26
